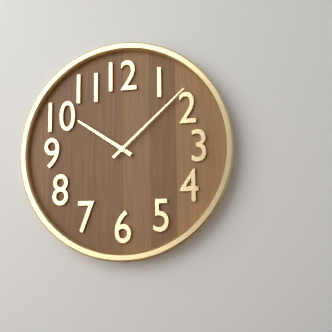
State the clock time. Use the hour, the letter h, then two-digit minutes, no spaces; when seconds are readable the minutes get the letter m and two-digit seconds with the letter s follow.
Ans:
10h08
